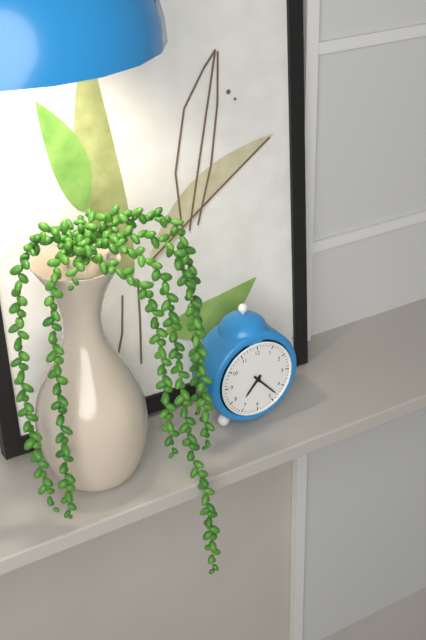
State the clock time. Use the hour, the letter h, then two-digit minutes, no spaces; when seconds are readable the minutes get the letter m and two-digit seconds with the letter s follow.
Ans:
7h23
